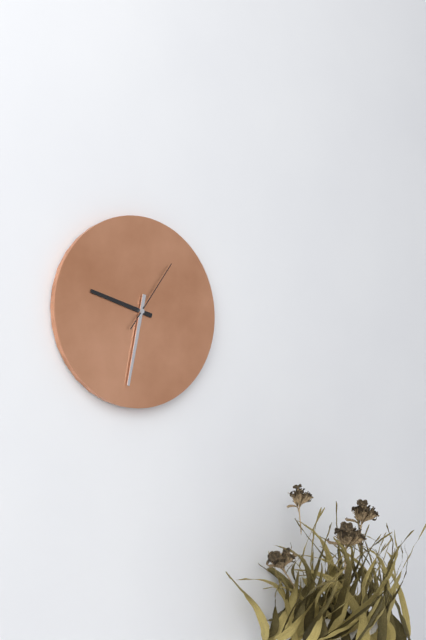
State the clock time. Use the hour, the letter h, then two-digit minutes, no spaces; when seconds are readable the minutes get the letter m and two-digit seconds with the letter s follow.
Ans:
9h32m06s
